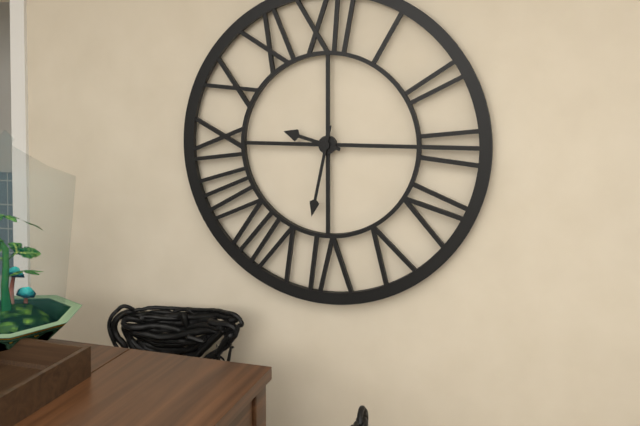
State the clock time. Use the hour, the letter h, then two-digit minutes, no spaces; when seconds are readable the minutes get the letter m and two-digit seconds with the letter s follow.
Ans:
9h32
